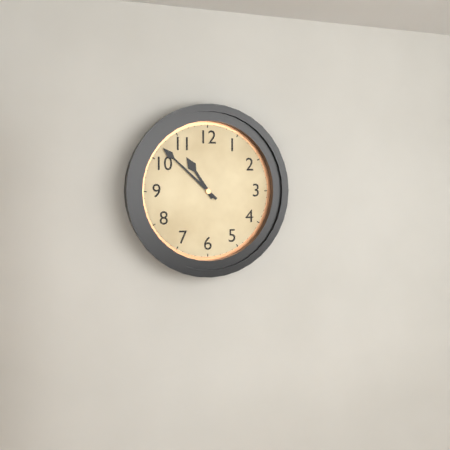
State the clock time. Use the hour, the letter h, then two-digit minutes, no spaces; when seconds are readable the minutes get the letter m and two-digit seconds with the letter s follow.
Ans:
10h52
